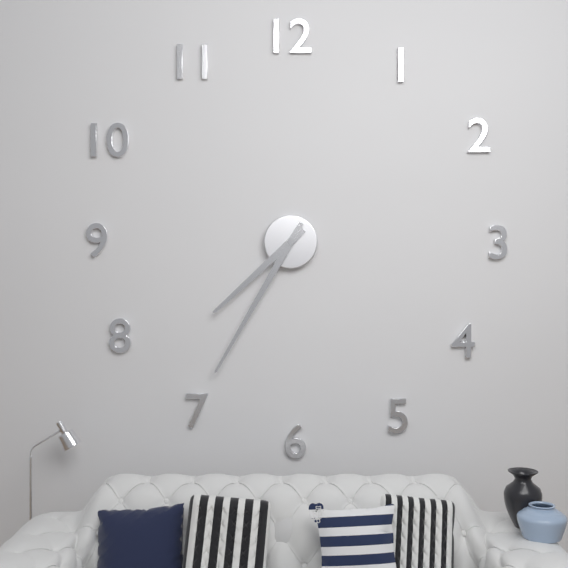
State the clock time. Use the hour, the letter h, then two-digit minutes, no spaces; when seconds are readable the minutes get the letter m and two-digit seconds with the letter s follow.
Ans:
7h35
